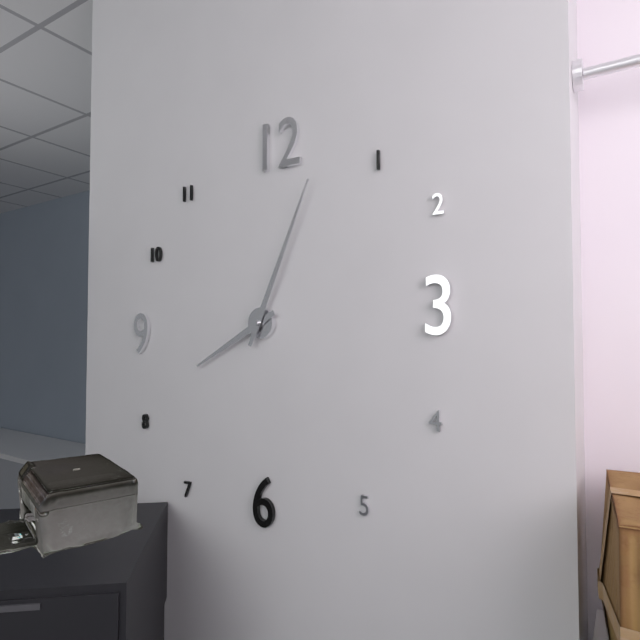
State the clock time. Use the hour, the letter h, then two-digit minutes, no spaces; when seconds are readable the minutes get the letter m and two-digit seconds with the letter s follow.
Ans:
8h04
